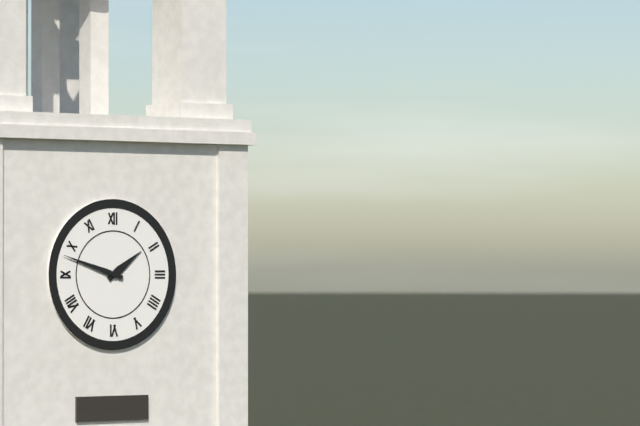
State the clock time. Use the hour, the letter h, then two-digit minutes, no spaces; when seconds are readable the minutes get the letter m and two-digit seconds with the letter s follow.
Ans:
1h48
